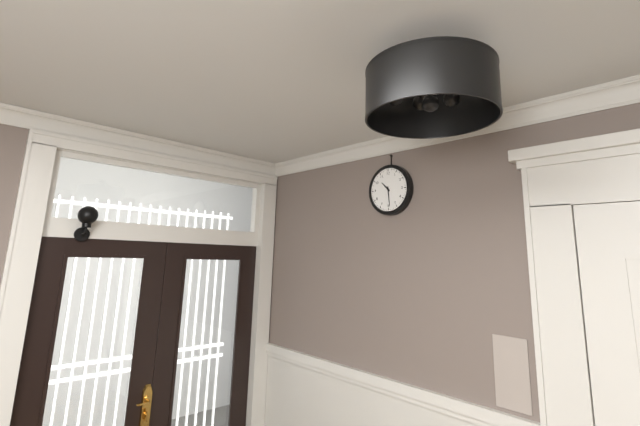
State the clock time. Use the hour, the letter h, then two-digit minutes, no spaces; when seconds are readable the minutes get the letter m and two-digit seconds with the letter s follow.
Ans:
10h29
